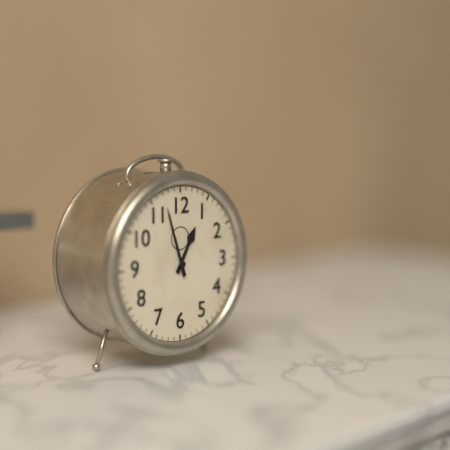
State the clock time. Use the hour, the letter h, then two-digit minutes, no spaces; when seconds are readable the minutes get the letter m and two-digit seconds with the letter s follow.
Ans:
12h57
